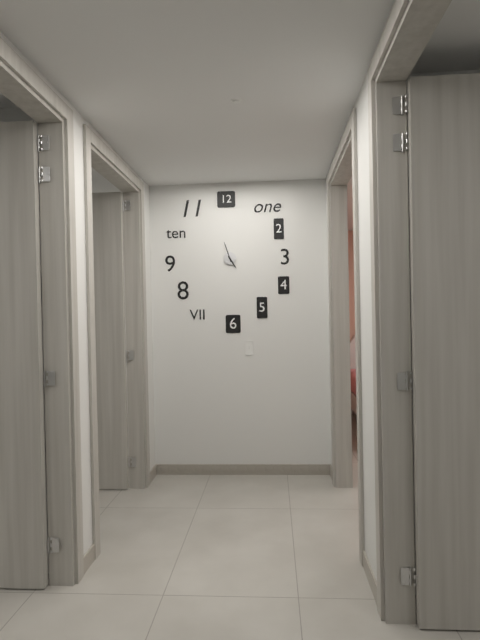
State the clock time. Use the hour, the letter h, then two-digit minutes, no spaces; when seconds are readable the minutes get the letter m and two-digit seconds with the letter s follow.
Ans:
4h57
